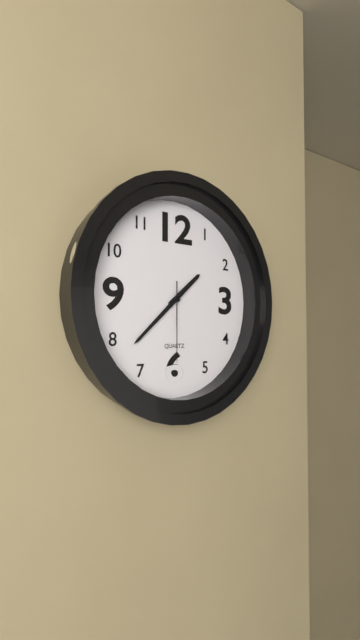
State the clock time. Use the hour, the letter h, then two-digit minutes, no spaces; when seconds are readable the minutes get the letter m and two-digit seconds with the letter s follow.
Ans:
1h38m30s
